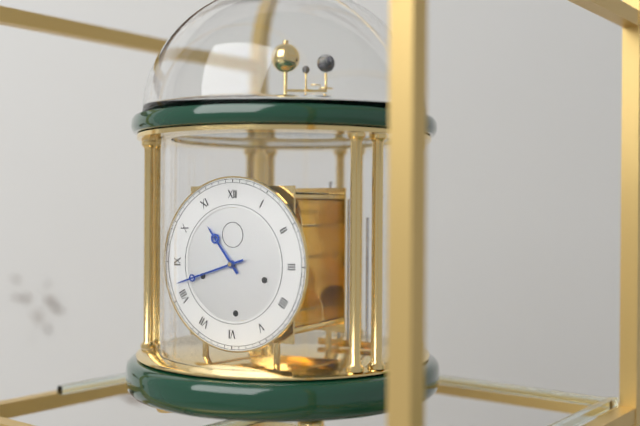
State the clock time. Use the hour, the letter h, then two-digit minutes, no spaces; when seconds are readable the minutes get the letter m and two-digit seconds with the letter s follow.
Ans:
10h42
